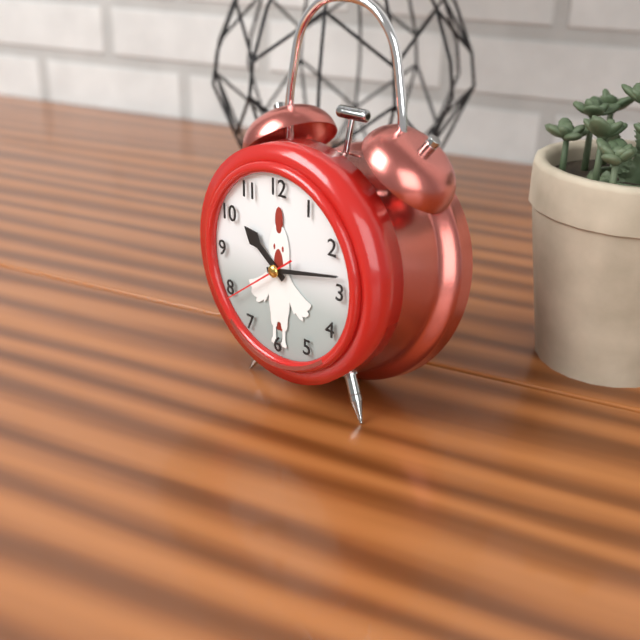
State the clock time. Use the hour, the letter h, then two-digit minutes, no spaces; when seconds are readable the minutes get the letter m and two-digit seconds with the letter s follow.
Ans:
10h13m39s
